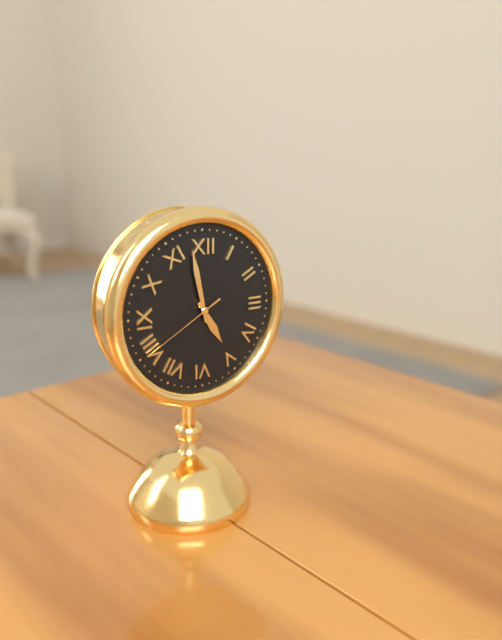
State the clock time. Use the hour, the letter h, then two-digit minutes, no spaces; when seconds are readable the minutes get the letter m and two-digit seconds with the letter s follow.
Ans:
4h58m40s
